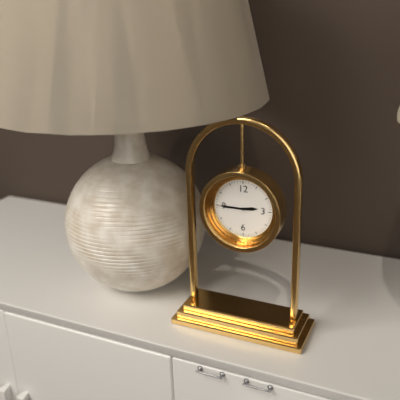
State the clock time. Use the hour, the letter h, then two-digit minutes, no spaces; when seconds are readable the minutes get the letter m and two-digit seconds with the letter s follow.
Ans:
2h45
